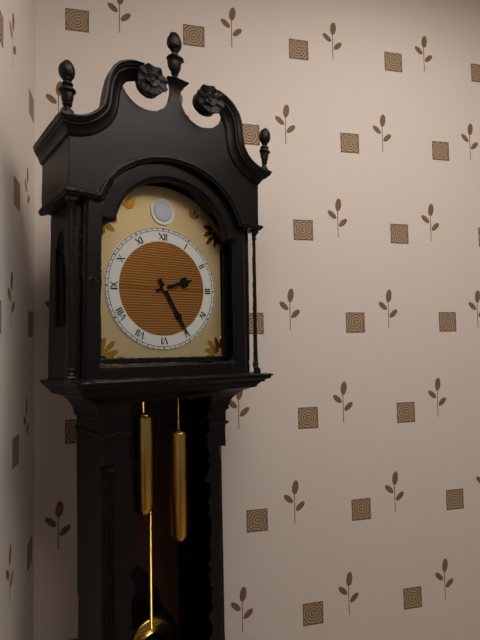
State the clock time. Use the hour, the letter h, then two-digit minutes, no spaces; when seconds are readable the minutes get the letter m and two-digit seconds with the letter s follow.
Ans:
2h25
